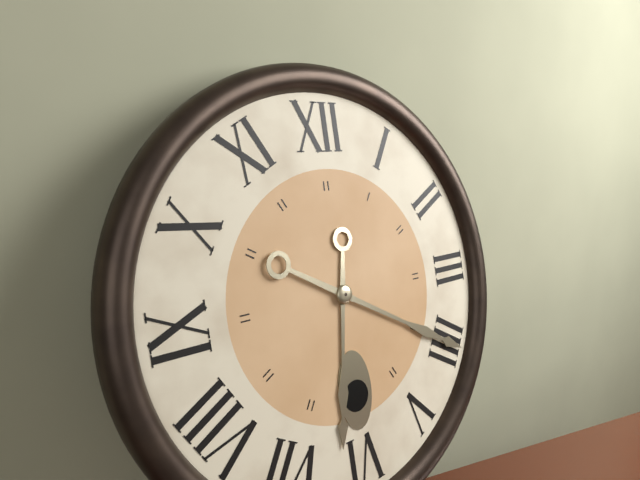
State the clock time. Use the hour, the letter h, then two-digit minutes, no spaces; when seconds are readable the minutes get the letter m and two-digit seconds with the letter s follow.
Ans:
6h20
